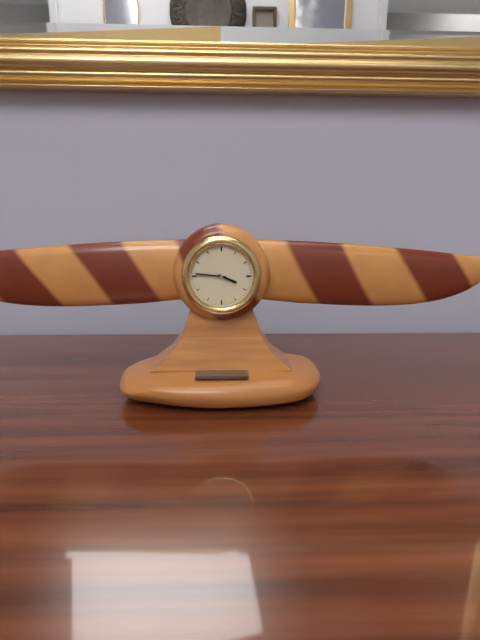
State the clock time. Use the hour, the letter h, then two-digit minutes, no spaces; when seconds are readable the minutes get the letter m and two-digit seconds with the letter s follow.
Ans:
3h46
